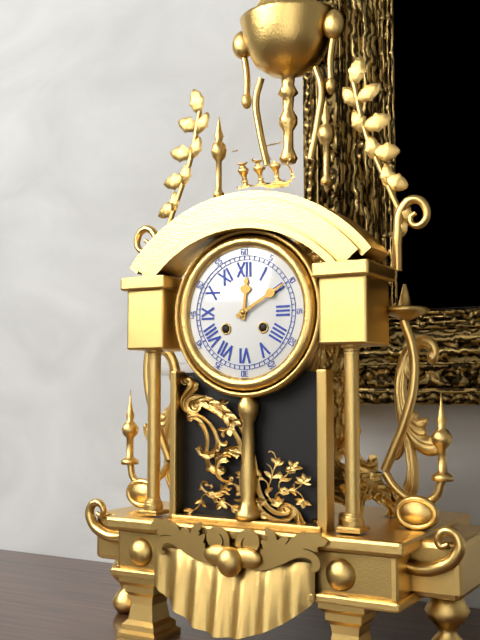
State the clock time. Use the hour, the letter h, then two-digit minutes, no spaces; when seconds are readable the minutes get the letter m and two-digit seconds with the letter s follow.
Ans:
12h10
